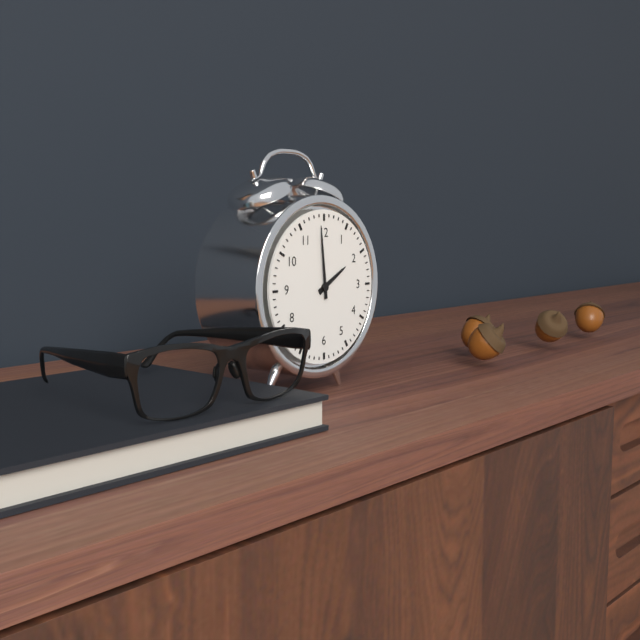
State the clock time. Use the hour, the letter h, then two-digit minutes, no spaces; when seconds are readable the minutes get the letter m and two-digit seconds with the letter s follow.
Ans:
1h59
